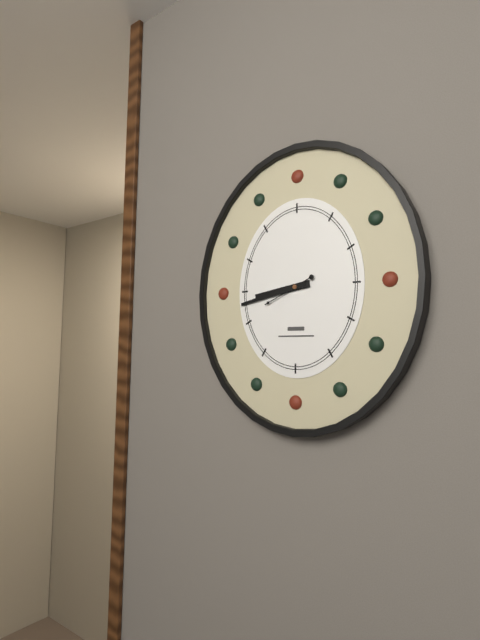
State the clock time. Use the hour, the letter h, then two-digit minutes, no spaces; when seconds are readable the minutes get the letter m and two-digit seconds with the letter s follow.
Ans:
8h43
